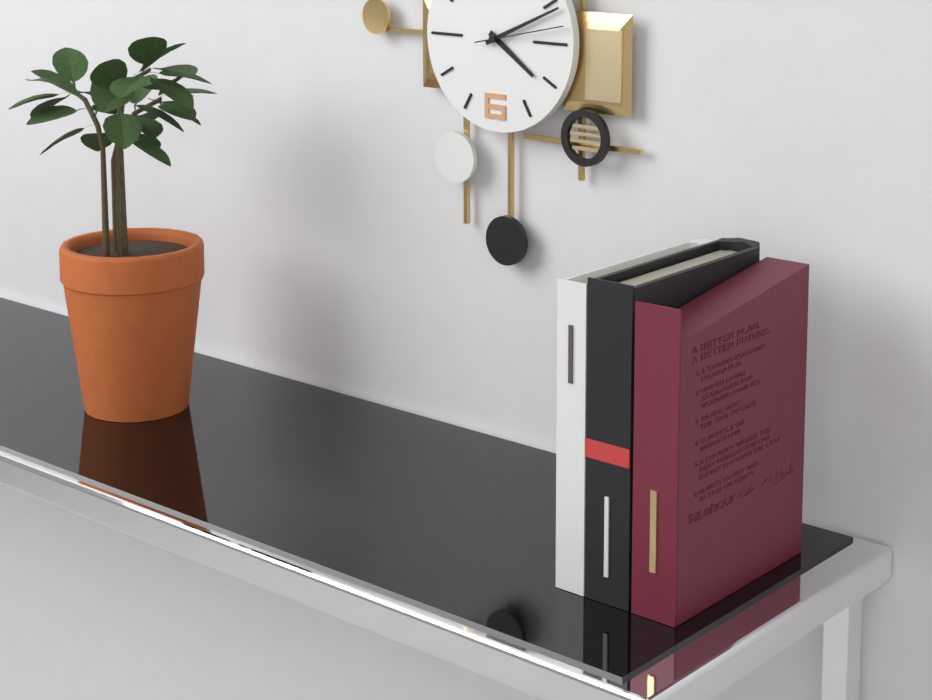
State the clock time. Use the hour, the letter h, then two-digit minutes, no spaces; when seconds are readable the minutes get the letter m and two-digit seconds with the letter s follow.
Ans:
4h11m13s
